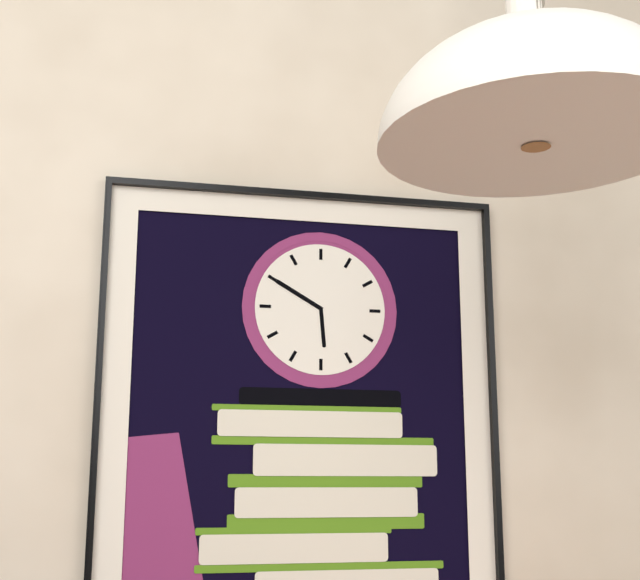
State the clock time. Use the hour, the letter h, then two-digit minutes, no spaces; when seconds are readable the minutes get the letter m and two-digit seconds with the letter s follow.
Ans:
5h50
